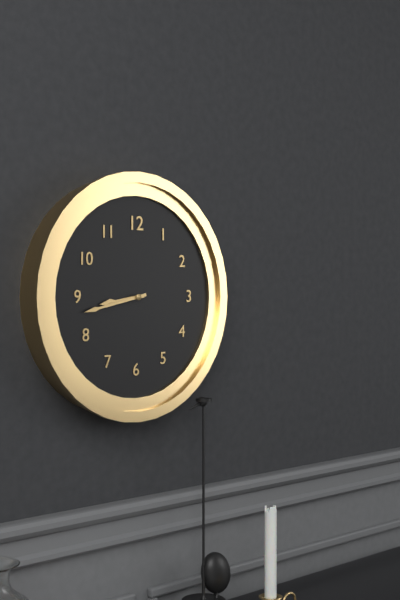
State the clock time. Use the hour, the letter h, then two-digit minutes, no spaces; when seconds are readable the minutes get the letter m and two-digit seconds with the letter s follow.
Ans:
8h43
